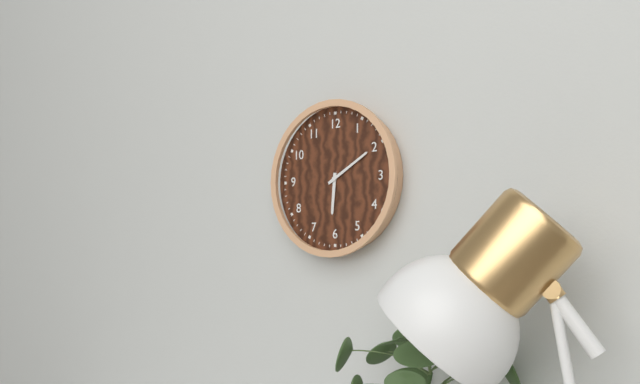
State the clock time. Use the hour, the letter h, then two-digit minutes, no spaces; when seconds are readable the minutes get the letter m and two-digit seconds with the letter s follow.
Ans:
6h10
